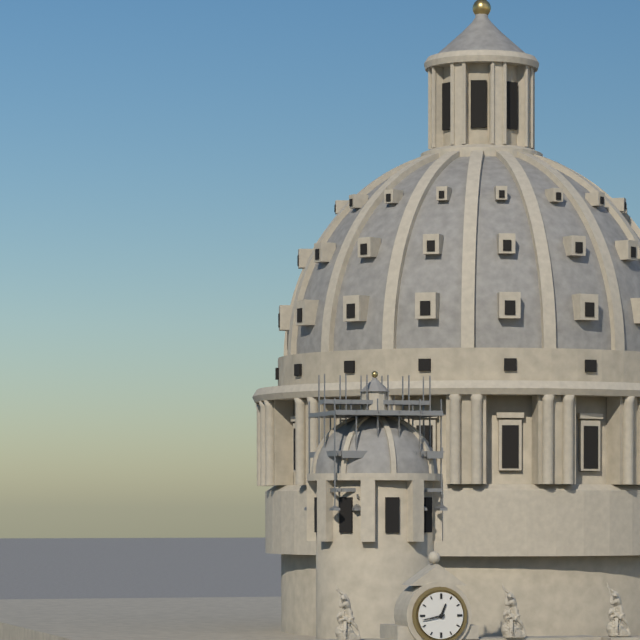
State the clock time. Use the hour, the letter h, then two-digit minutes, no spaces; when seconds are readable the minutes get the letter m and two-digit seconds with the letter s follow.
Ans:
12h43
